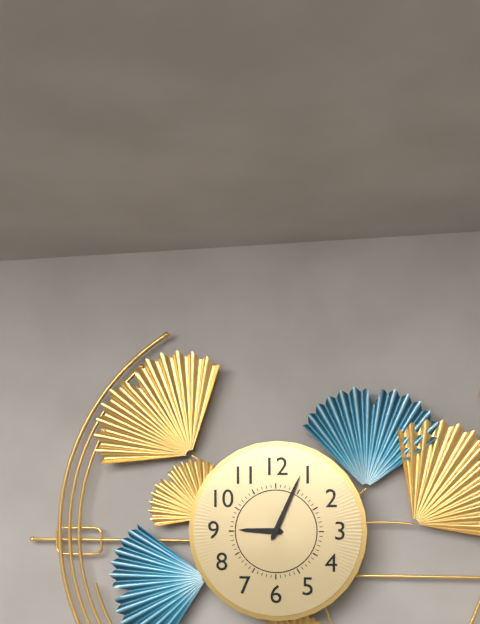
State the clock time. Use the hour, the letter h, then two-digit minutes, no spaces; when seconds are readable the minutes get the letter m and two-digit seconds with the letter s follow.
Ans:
9h04
